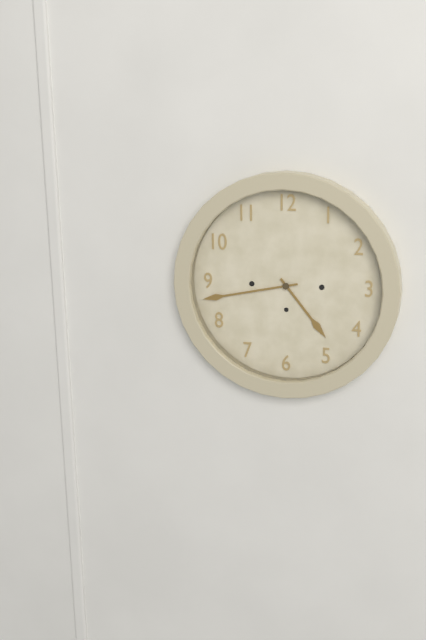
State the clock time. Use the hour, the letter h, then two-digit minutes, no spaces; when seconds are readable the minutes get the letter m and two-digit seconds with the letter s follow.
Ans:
4h43
